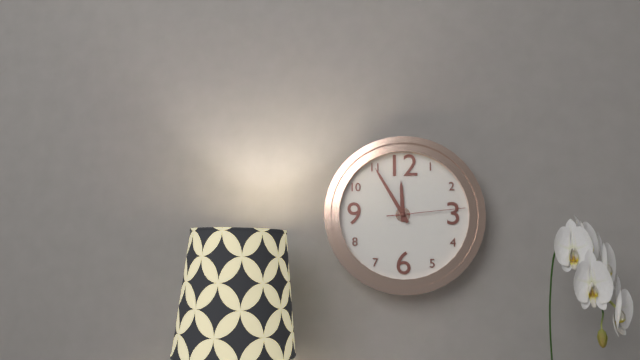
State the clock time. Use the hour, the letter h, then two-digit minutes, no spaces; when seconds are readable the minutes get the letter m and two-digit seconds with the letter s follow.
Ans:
11h55m14s
